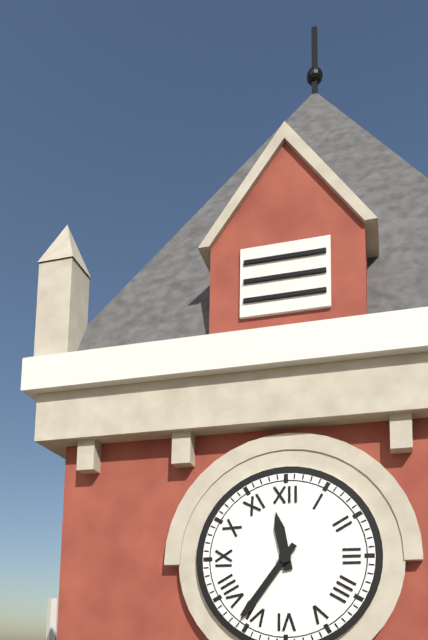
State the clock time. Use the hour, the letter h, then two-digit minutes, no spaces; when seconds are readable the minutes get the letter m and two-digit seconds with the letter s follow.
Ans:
11h36
